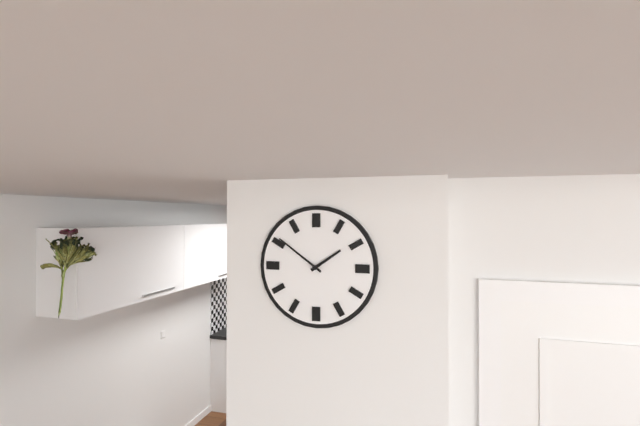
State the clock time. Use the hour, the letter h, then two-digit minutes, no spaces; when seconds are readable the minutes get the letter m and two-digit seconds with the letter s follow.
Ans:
1h51
